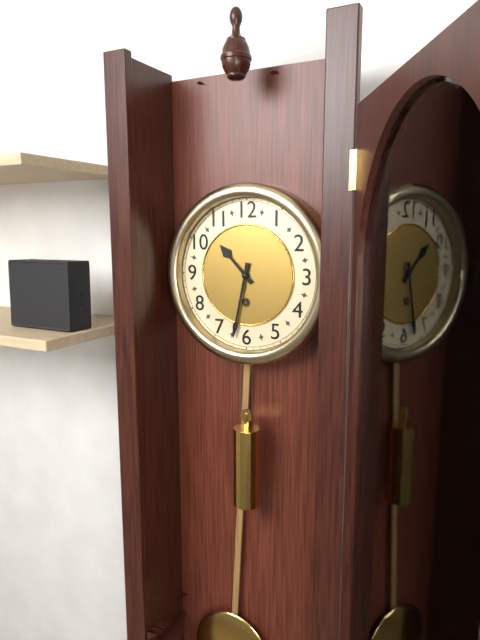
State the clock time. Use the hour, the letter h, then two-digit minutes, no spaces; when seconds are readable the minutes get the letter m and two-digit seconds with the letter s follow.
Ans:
10h32
